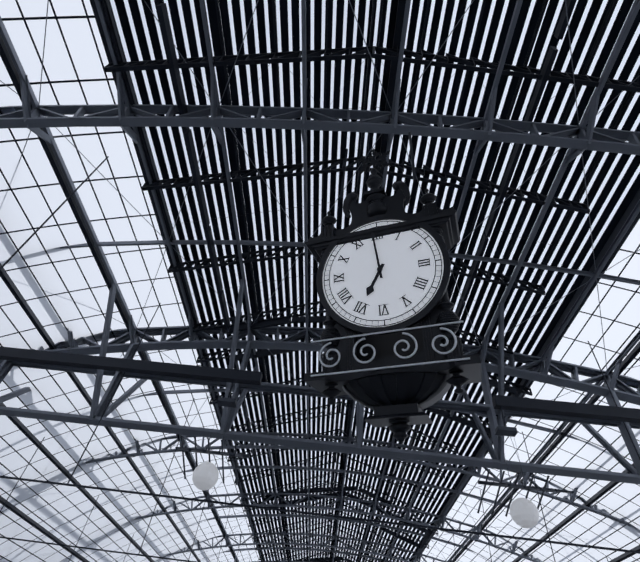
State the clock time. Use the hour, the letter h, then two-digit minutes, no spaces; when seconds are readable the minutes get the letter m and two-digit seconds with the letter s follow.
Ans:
6h59
